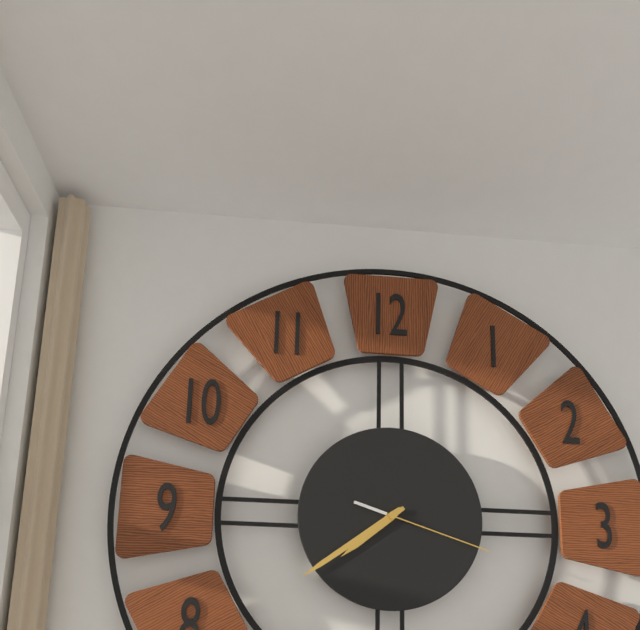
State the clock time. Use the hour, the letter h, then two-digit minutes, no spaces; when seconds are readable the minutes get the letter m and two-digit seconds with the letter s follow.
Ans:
7h39m18s
